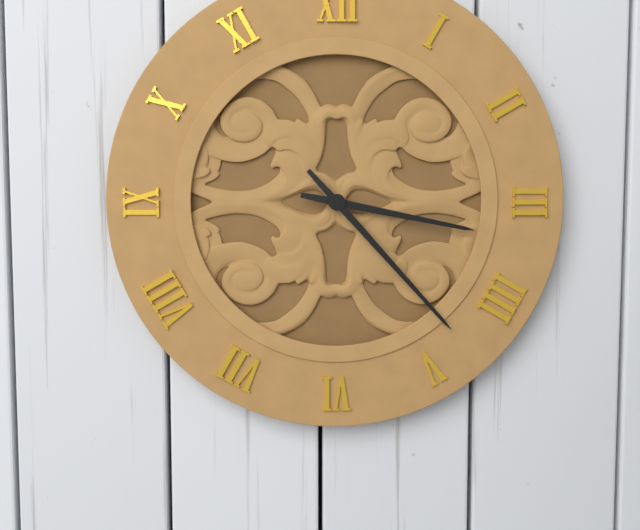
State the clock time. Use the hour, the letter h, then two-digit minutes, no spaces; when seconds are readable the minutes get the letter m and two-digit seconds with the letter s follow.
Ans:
3h23
